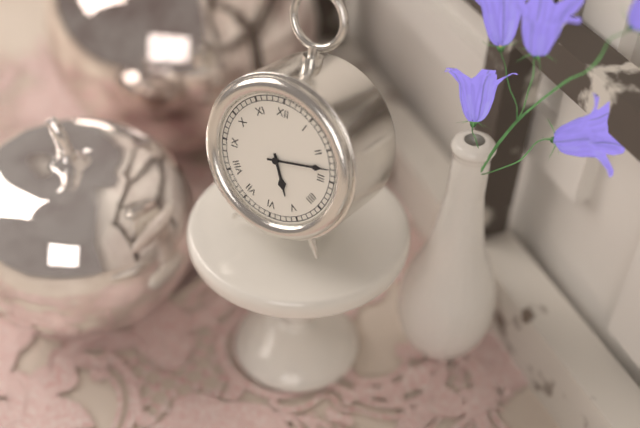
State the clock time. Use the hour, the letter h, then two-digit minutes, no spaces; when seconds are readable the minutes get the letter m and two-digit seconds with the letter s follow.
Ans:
5h13
